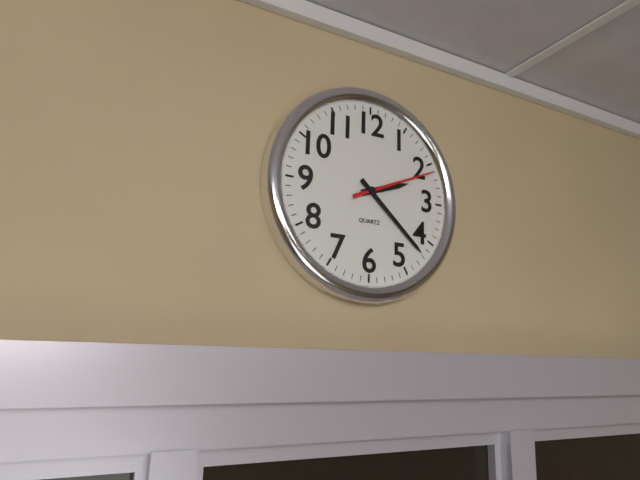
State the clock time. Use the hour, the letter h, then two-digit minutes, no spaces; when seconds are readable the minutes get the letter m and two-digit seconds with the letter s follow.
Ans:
2h22m11s
